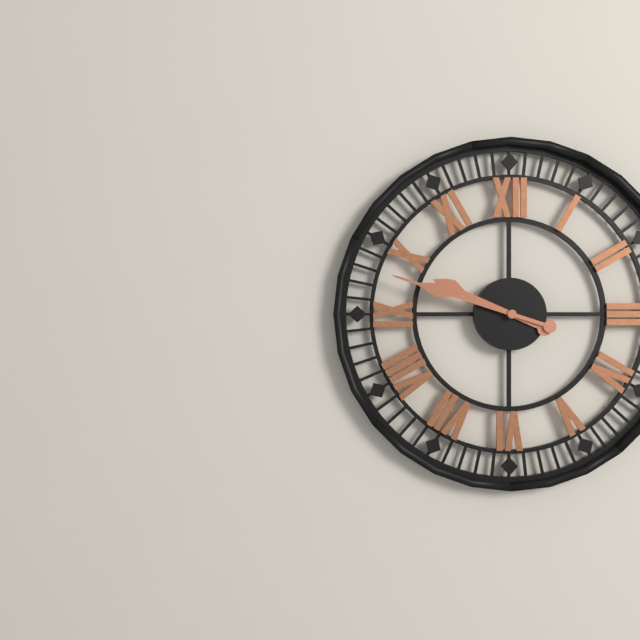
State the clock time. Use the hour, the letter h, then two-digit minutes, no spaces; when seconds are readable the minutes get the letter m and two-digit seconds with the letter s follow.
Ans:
9h48
